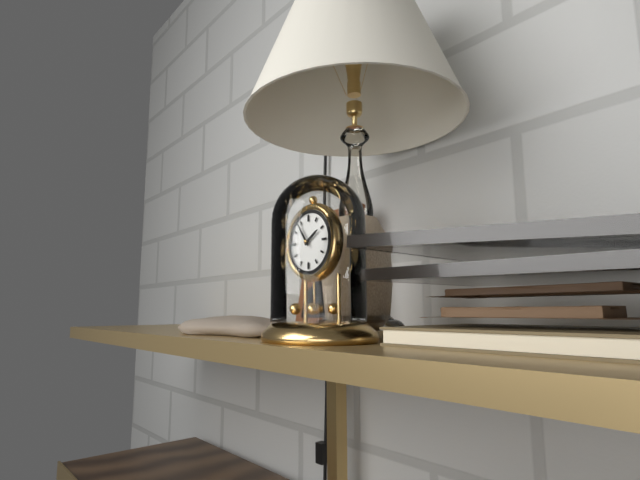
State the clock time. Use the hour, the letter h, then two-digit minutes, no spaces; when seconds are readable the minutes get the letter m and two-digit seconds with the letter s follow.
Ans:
1h54
